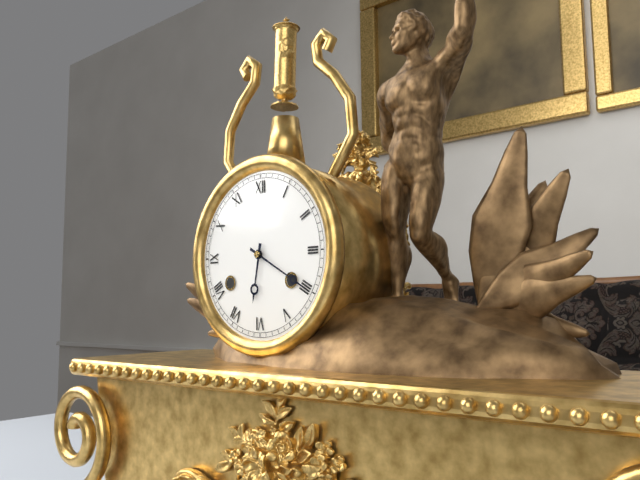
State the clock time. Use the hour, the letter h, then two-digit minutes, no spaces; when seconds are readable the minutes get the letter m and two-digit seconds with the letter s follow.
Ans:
6h20
